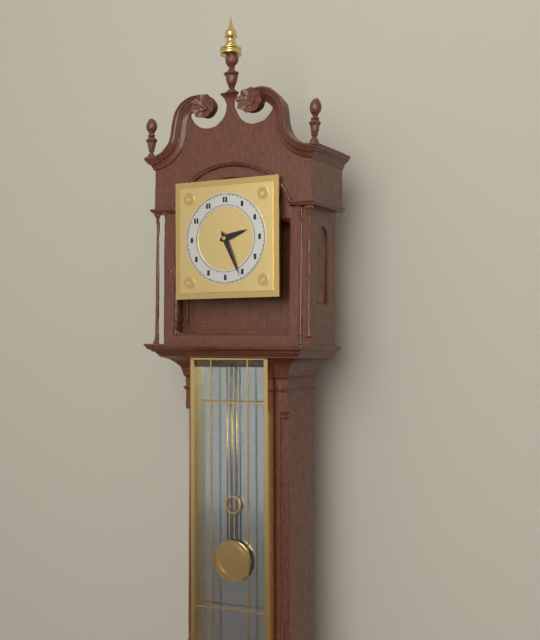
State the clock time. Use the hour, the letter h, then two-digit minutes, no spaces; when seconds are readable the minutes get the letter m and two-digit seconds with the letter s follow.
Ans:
2h26
